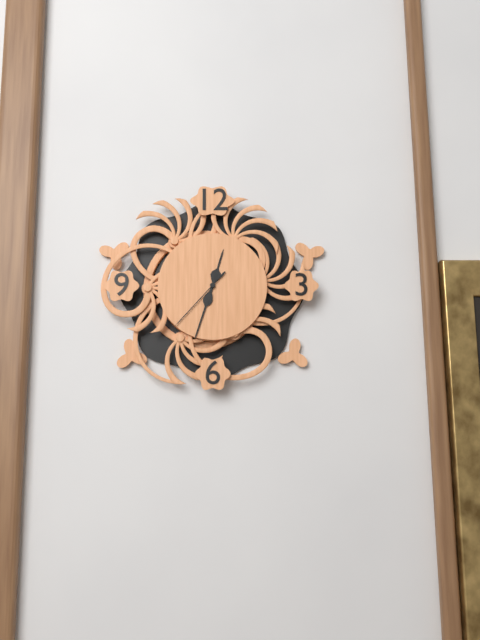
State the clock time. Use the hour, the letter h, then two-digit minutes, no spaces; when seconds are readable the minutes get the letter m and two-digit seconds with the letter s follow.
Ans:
12h33m37s
